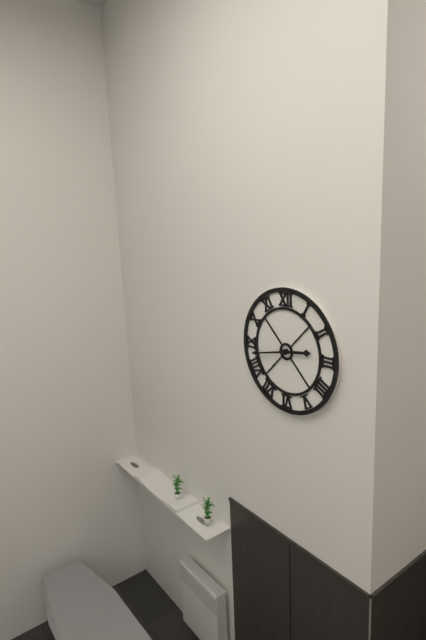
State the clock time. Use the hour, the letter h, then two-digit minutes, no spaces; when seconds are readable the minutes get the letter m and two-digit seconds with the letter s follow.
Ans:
2h43
